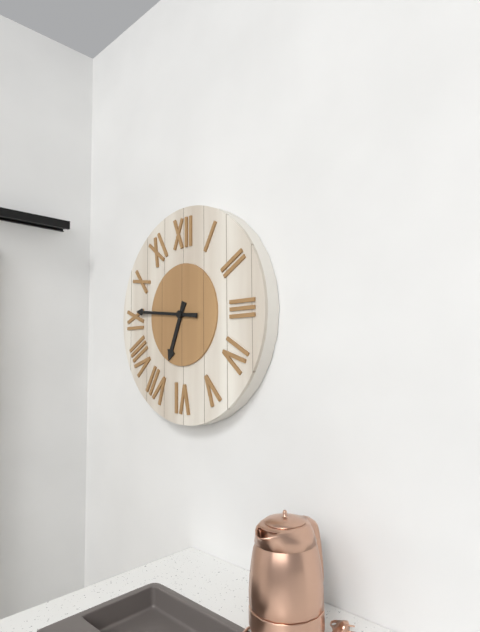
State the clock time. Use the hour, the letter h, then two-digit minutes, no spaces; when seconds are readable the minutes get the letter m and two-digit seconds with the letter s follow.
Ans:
6h46
